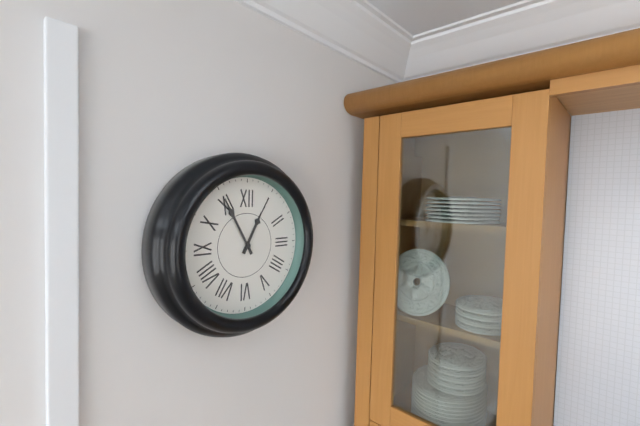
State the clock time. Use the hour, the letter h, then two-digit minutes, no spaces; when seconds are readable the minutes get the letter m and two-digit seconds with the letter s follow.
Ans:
12h55
